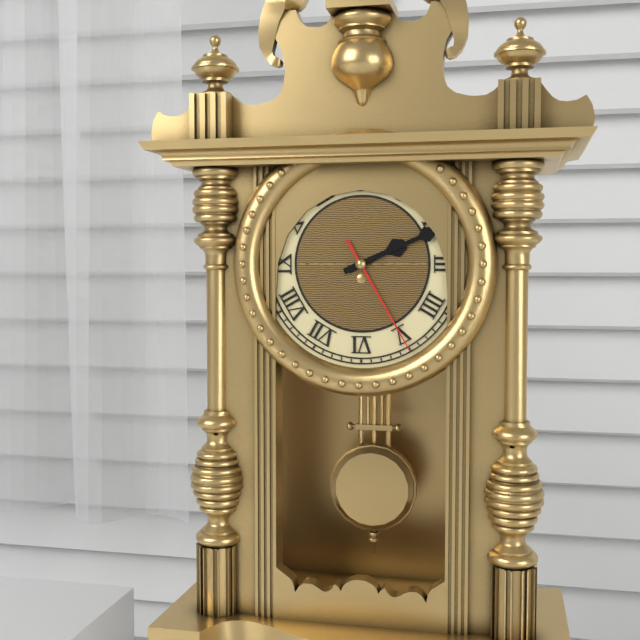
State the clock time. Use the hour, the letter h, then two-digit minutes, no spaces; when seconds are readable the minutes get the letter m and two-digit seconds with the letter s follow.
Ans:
2h11m25s
